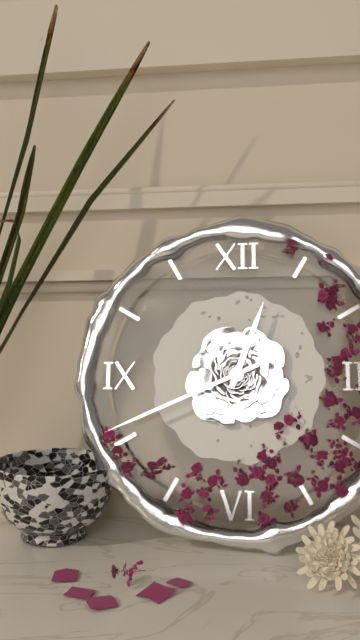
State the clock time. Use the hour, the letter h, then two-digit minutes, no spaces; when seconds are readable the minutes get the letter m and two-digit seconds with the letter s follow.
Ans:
12h41
